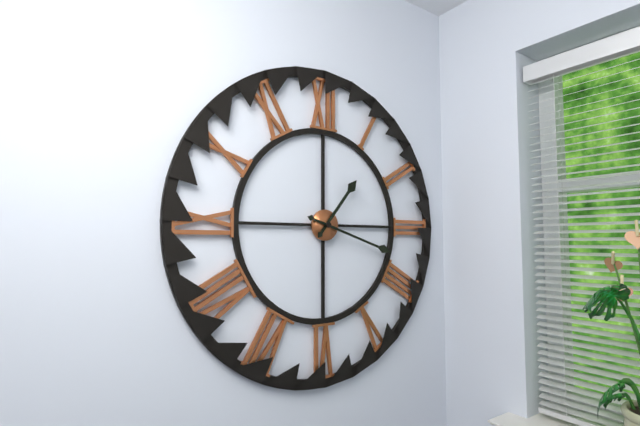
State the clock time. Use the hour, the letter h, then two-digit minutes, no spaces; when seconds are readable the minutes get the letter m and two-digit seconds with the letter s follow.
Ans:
1h18
